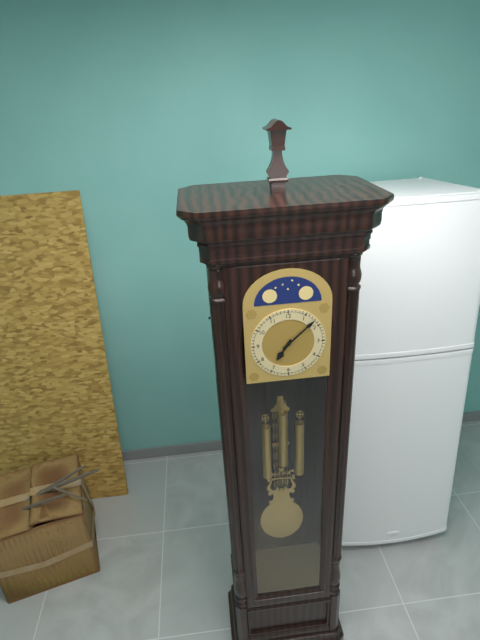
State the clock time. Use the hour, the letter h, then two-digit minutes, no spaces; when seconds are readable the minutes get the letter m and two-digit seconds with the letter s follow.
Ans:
7h08
